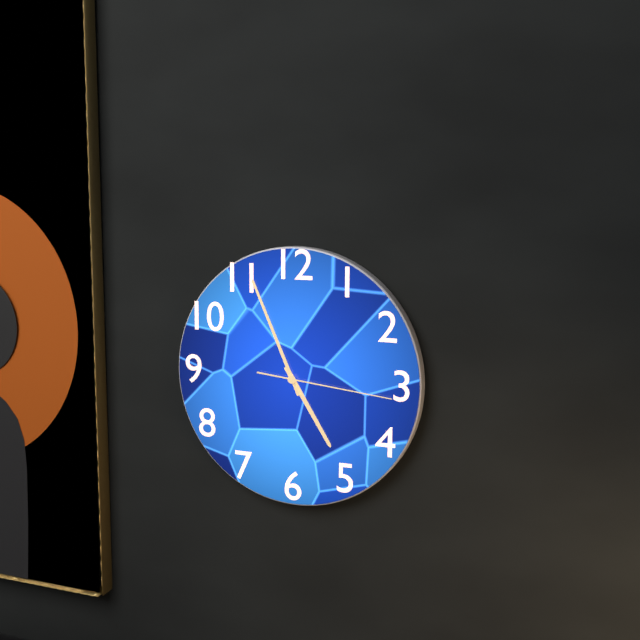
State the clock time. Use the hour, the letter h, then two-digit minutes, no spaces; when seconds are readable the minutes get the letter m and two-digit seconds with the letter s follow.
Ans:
4h56m16s
